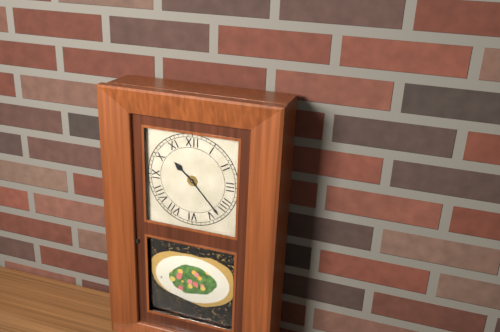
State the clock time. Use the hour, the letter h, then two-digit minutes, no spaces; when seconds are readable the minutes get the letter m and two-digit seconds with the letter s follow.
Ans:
10h23
